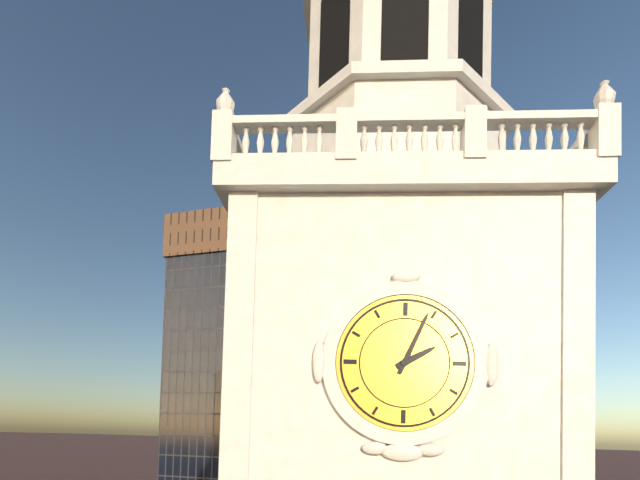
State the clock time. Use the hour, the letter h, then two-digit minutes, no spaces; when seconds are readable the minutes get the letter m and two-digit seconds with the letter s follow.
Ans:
2h04
